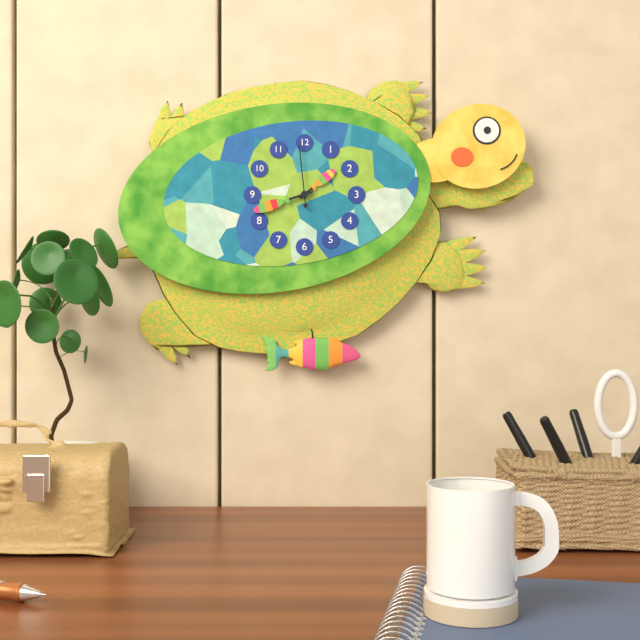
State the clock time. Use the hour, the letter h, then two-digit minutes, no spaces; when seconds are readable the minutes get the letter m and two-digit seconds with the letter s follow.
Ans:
1h42m59s
